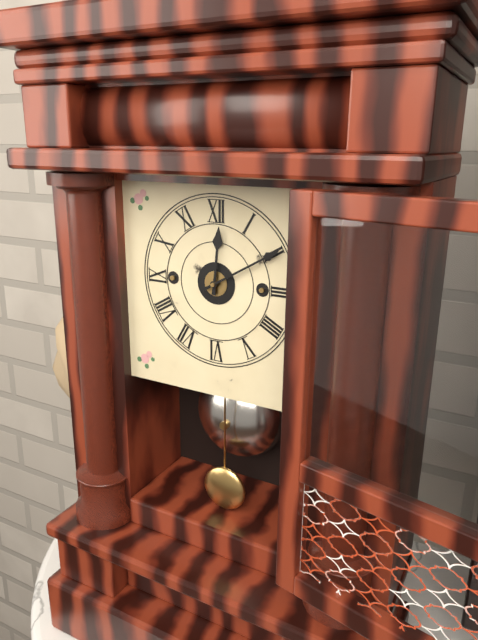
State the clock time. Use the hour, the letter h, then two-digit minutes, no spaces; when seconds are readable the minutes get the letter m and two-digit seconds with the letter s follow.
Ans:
12h10
